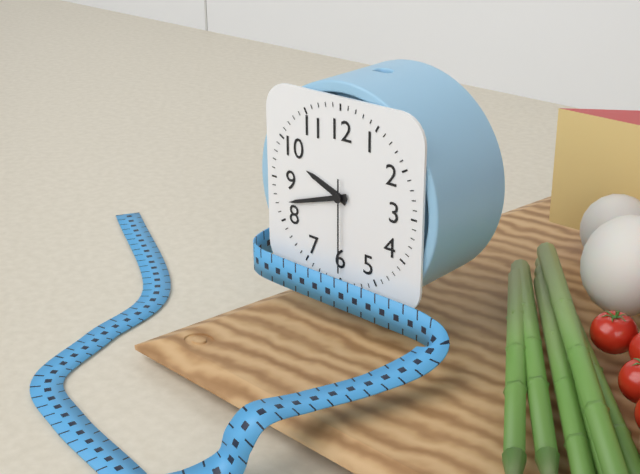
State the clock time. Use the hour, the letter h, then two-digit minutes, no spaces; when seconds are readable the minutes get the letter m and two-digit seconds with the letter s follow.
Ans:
9h42m30s
